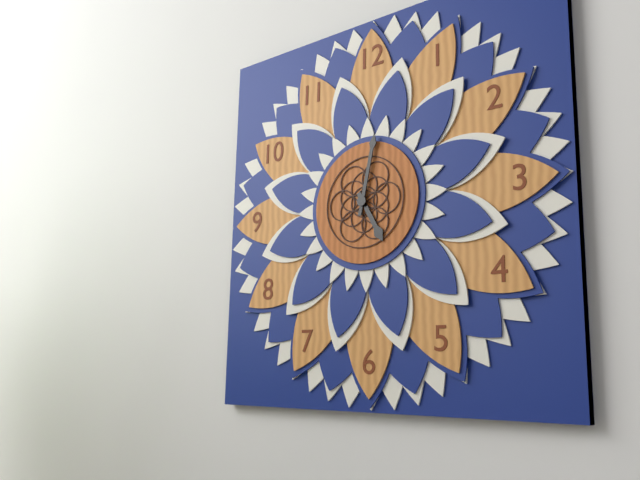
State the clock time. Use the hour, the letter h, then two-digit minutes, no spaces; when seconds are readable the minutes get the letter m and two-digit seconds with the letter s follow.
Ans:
5h02
